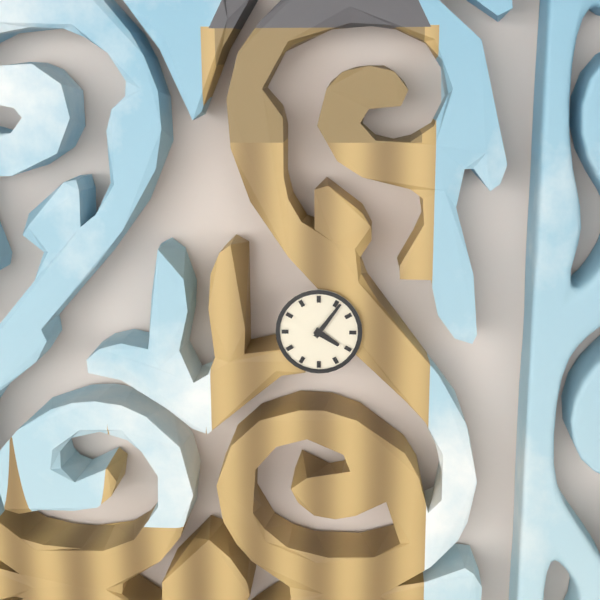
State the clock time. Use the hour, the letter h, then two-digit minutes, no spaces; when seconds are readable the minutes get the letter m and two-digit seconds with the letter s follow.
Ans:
4h06
